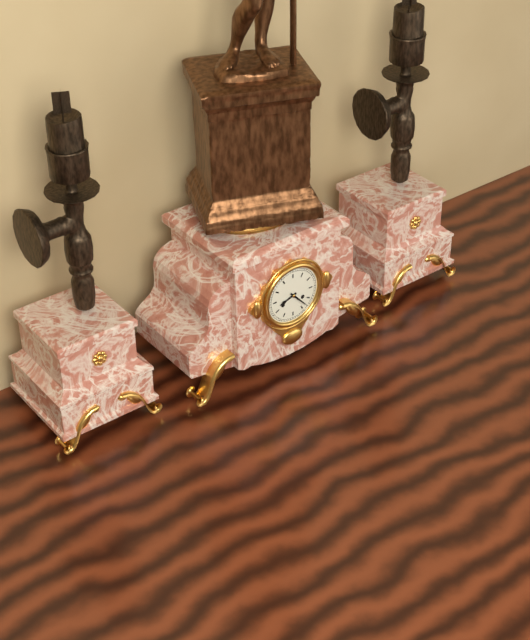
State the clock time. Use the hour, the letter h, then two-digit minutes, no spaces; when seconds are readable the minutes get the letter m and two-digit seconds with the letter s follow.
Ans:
8h23
